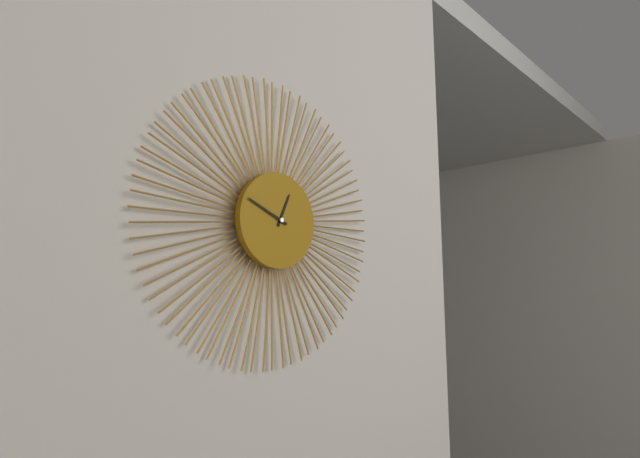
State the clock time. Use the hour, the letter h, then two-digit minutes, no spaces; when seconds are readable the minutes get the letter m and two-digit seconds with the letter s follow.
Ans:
12h49
